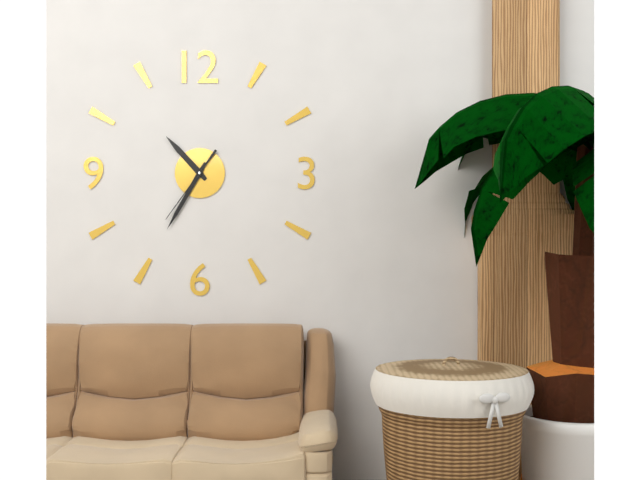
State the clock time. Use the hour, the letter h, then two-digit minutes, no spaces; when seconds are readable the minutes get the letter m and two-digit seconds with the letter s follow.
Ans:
10h35m36s
